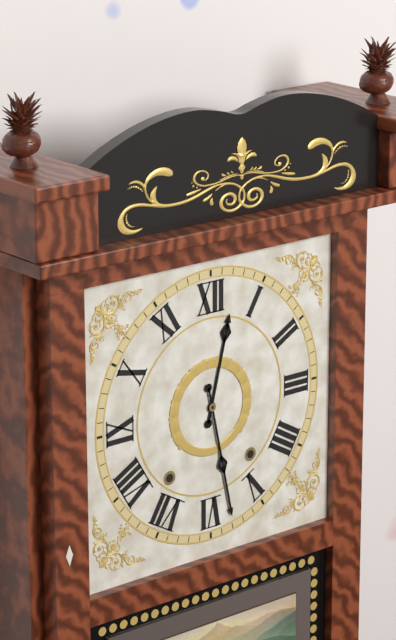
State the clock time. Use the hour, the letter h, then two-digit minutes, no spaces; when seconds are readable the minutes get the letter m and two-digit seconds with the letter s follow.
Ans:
12h28
